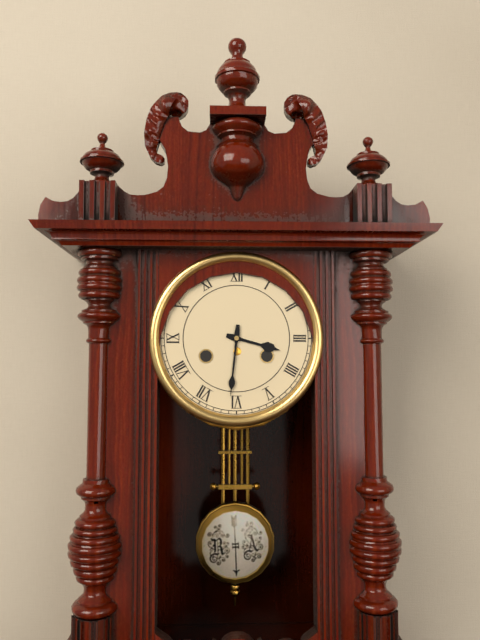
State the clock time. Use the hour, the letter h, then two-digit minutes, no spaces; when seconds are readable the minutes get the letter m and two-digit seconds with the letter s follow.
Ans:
3h31
